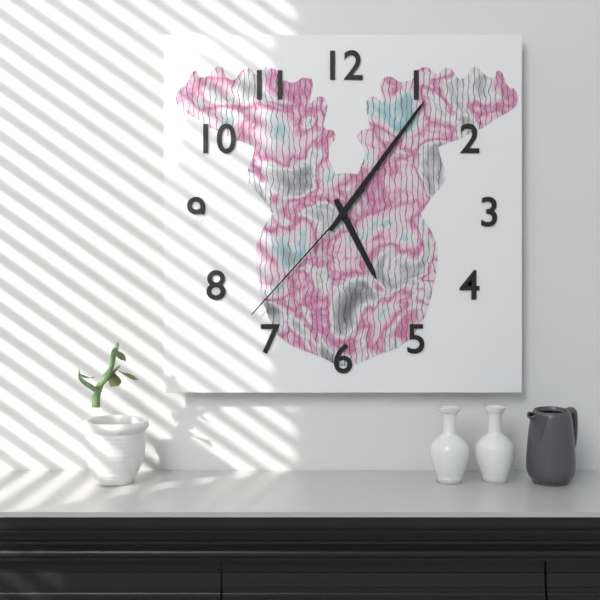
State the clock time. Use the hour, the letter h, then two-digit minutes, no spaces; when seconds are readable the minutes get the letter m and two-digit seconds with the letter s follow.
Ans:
5h06m37s
